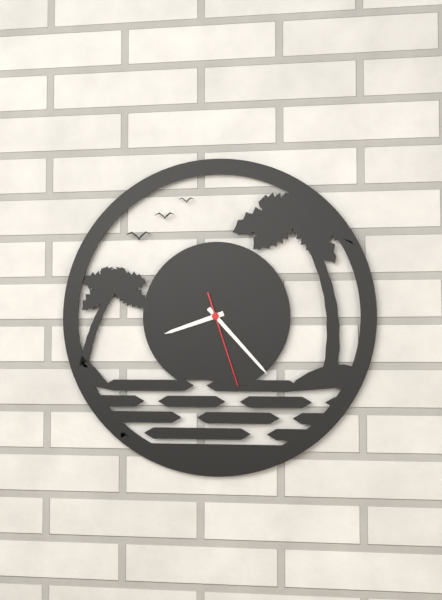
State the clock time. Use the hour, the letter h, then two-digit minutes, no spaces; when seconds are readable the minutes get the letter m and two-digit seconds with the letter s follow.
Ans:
8h23m27s
